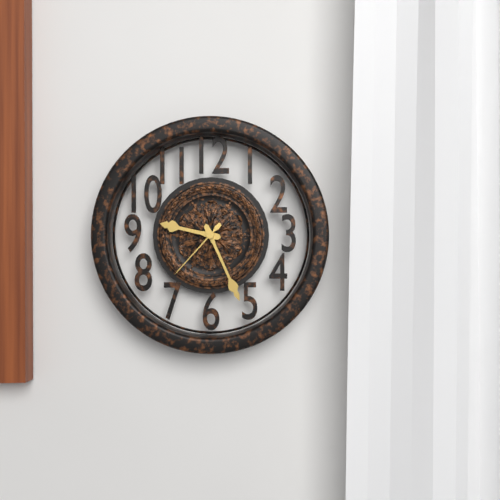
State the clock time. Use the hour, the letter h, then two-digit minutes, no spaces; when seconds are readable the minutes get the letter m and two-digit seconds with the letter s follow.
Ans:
9h26m37s
